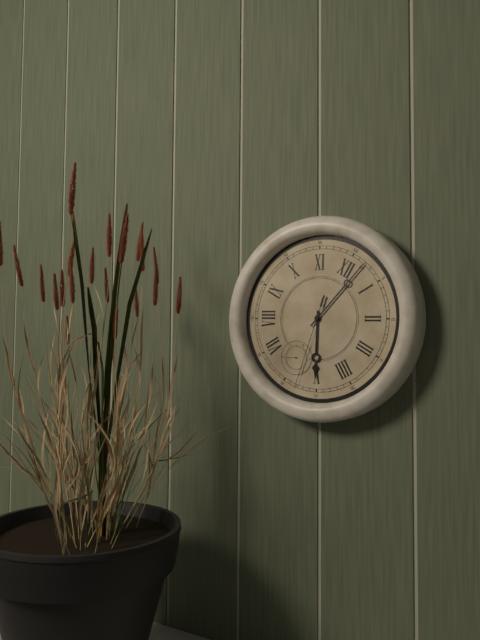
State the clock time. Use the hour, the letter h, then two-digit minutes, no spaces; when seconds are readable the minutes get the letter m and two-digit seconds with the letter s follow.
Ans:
5h02m28s
